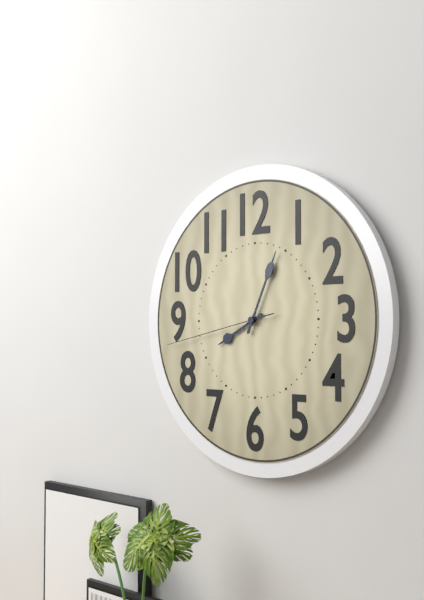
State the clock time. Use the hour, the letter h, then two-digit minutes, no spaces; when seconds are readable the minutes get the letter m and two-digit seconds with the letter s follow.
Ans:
8h04m43s
